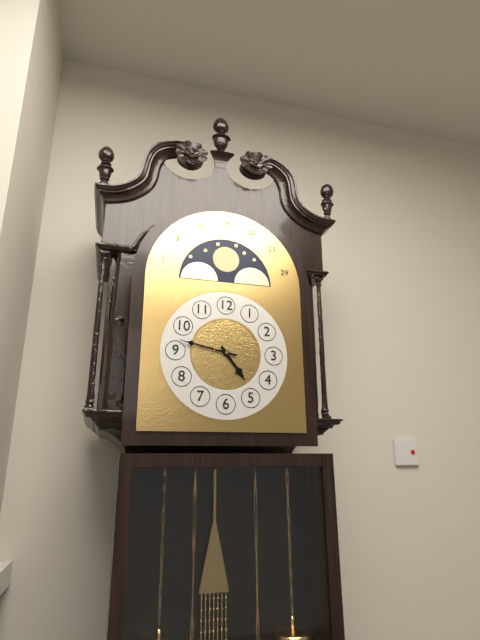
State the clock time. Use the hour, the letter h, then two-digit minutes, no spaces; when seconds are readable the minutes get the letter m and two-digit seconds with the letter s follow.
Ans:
4h47
